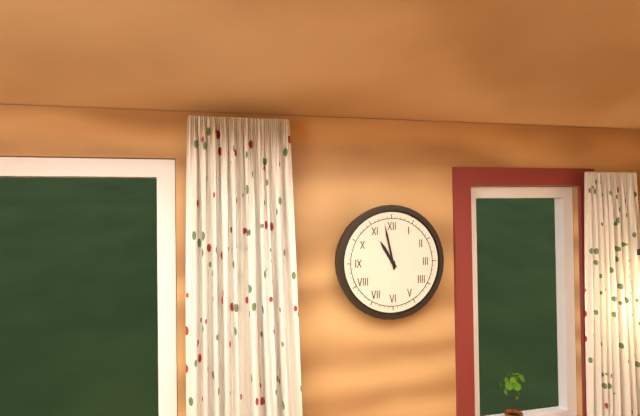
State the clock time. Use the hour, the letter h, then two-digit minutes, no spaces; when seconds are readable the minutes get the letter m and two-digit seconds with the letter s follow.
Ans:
10h58
